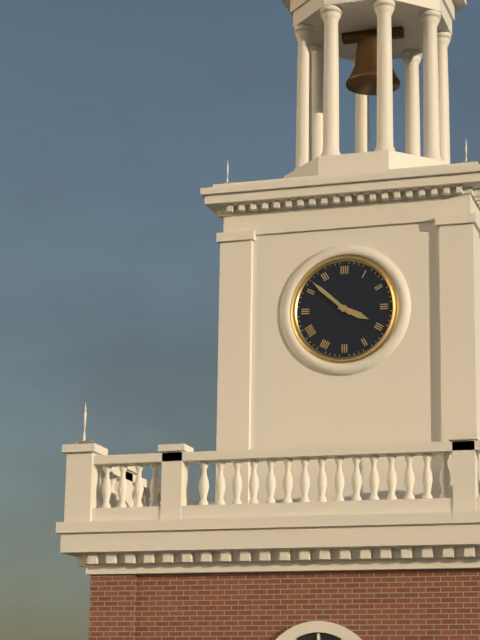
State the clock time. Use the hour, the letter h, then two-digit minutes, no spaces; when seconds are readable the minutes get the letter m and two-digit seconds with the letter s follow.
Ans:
3h52
